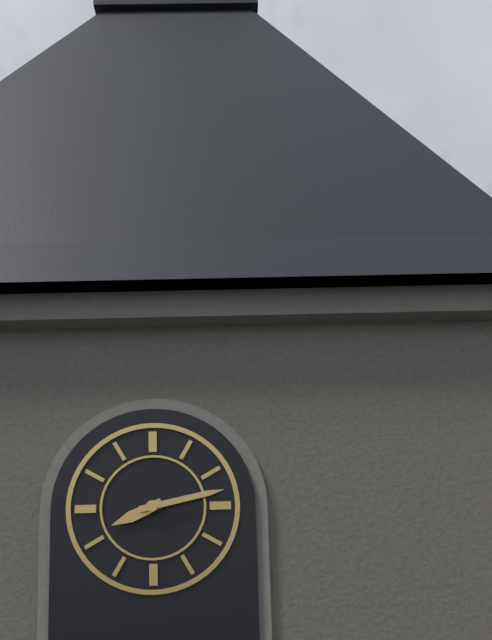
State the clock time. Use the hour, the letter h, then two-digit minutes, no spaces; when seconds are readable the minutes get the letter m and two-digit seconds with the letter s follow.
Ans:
8h13
